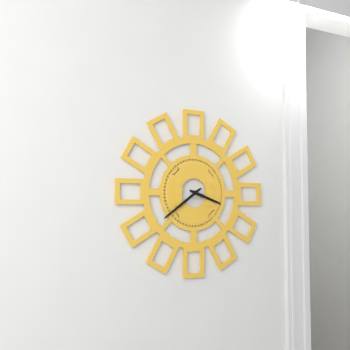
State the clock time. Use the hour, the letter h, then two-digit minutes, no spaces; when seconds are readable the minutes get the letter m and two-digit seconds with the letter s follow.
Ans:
3h39
